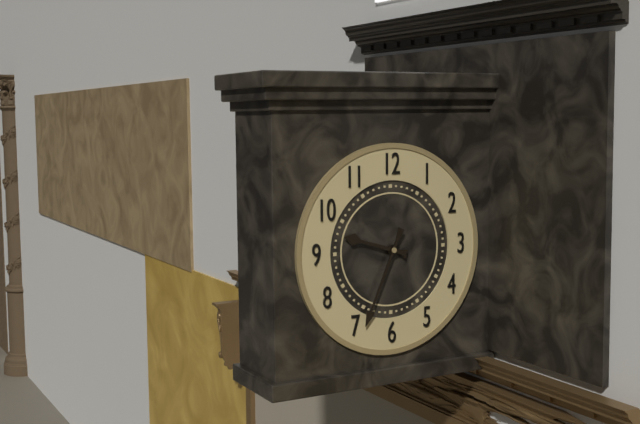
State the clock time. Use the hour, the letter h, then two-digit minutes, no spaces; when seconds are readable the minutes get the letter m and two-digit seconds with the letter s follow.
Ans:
9h34
